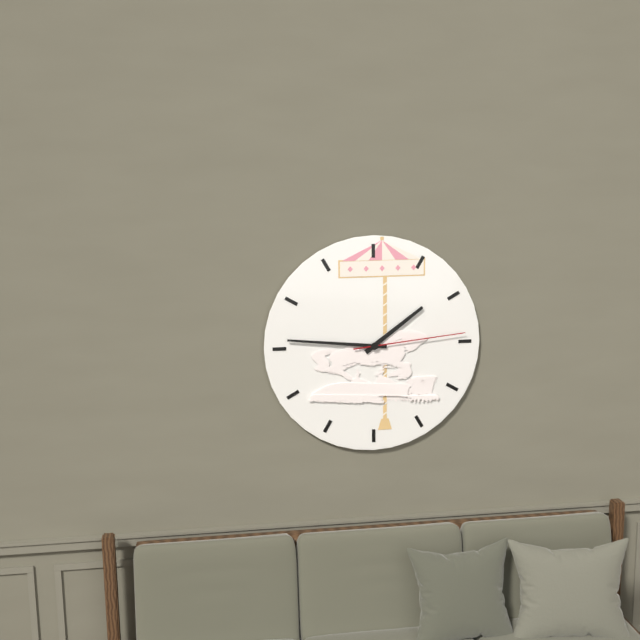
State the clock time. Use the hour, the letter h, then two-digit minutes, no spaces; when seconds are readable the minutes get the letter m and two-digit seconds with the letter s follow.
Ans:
1h46m14s
